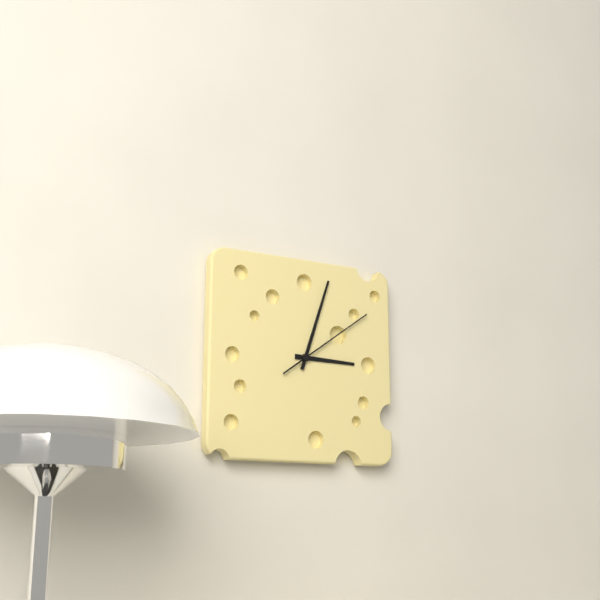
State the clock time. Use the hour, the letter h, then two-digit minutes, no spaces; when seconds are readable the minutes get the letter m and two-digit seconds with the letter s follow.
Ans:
3h03m09s
